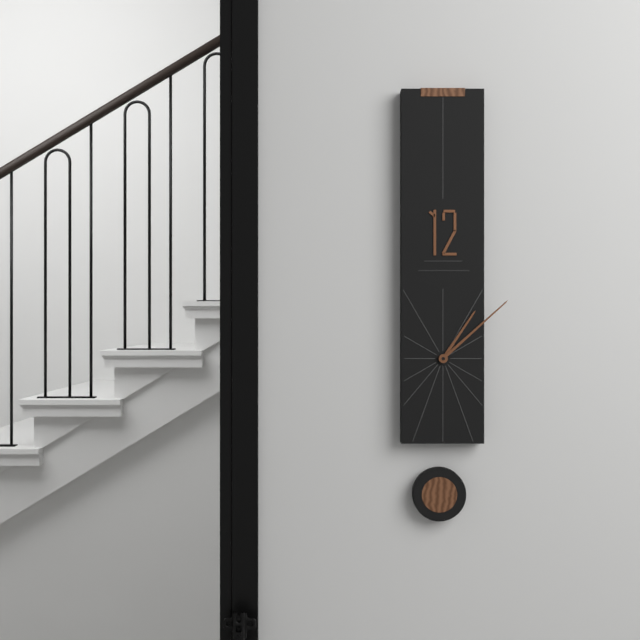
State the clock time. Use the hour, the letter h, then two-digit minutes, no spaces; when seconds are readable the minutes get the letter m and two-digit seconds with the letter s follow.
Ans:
1h08
